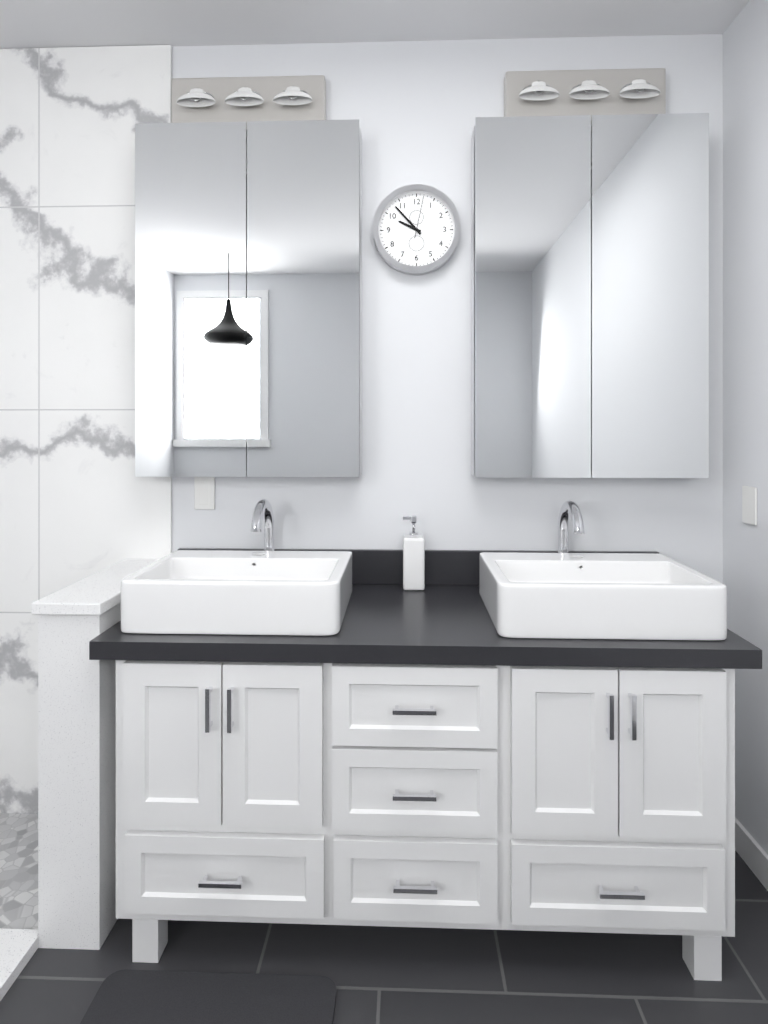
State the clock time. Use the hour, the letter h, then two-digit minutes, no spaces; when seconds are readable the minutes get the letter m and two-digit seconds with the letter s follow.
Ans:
9h53
